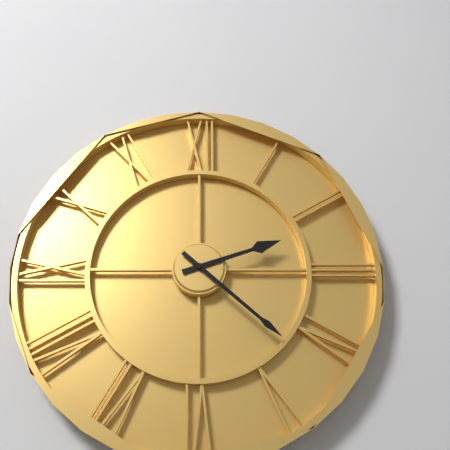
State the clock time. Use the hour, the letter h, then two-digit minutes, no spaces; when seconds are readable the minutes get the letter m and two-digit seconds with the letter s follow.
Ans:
2h22
